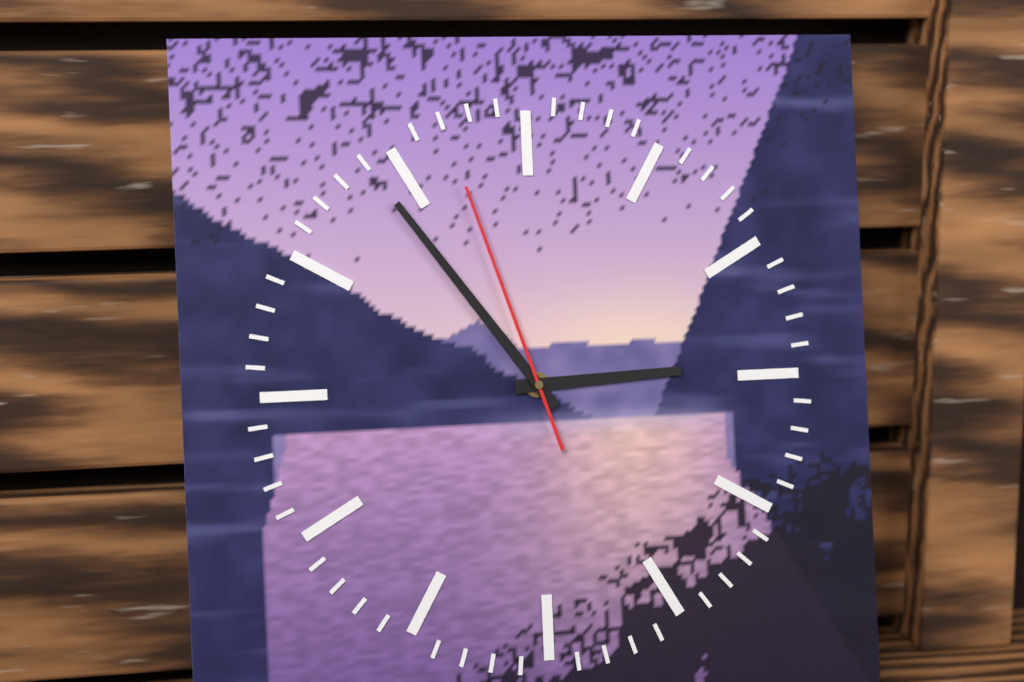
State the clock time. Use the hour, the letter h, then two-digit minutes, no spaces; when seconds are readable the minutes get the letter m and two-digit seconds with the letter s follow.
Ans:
2h54m57s
